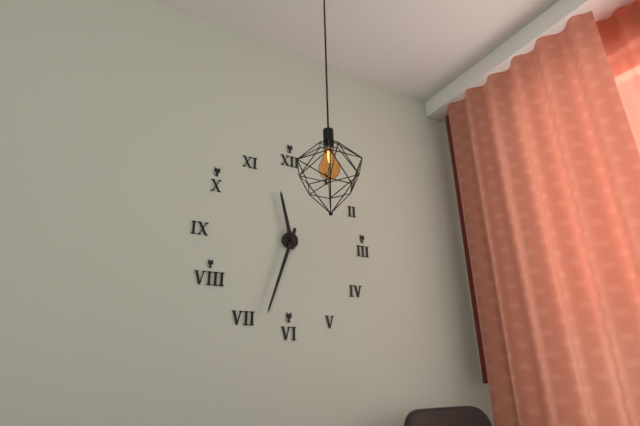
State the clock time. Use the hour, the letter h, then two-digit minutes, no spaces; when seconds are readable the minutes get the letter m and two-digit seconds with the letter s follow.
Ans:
11h33
